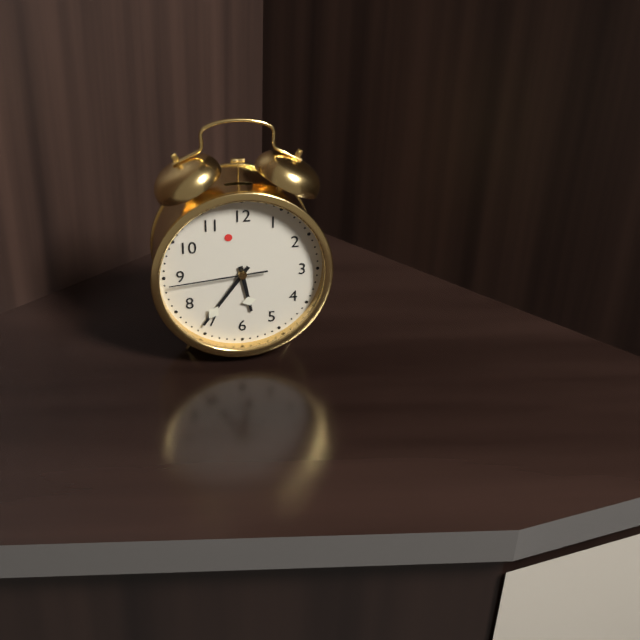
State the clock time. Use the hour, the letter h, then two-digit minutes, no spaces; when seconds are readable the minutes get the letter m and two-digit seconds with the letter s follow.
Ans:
5h36m44s
